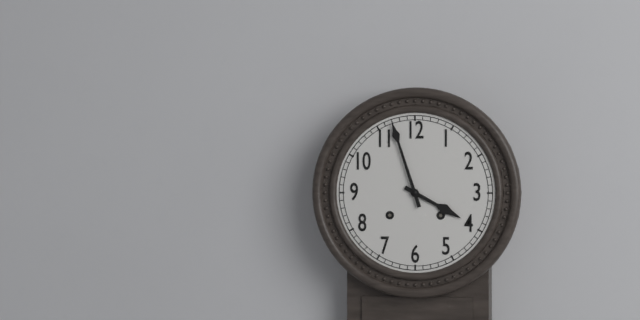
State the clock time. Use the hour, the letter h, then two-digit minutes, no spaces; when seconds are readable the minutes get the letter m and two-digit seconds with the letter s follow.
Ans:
3h57
